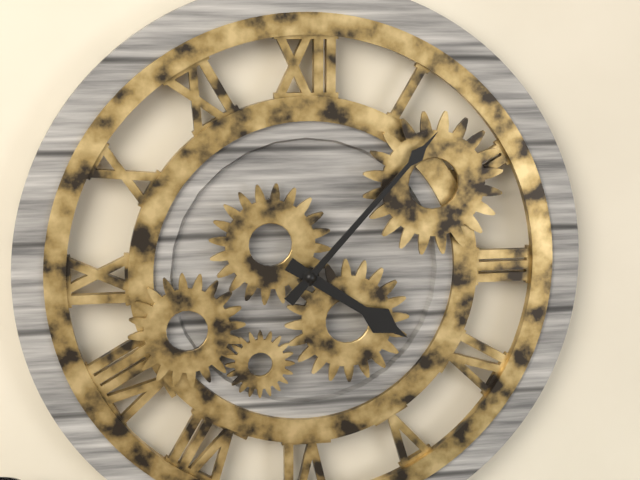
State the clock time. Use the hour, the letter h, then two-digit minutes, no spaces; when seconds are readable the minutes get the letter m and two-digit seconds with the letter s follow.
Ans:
4h07
